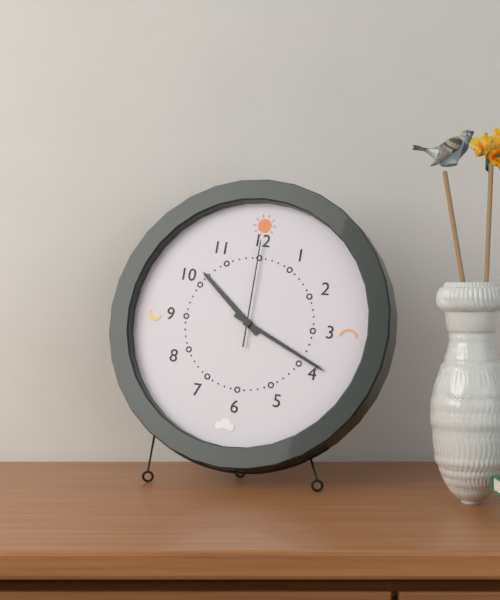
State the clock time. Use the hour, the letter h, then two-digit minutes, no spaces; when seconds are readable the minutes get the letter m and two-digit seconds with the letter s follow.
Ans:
10h19m00s
